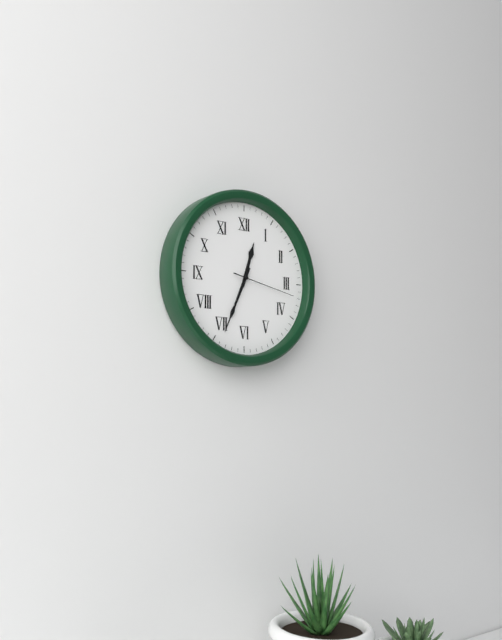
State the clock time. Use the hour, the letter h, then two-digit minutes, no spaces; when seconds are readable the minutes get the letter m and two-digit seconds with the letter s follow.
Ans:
12h34m17s
